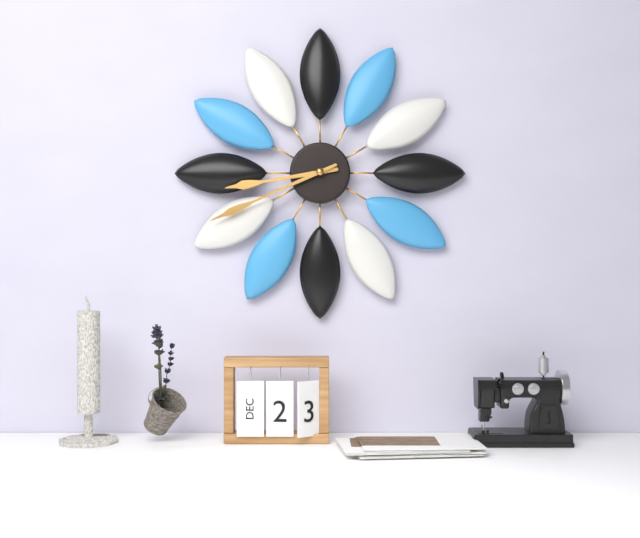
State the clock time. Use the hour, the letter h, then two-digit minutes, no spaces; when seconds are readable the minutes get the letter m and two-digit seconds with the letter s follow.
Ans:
8h41
